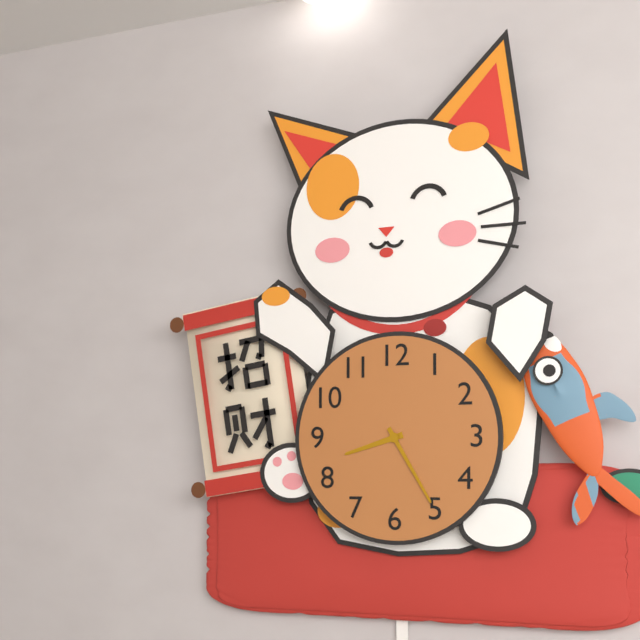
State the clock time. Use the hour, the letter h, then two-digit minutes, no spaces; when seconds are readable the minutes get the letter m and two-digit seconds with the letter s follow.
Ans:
8h25
